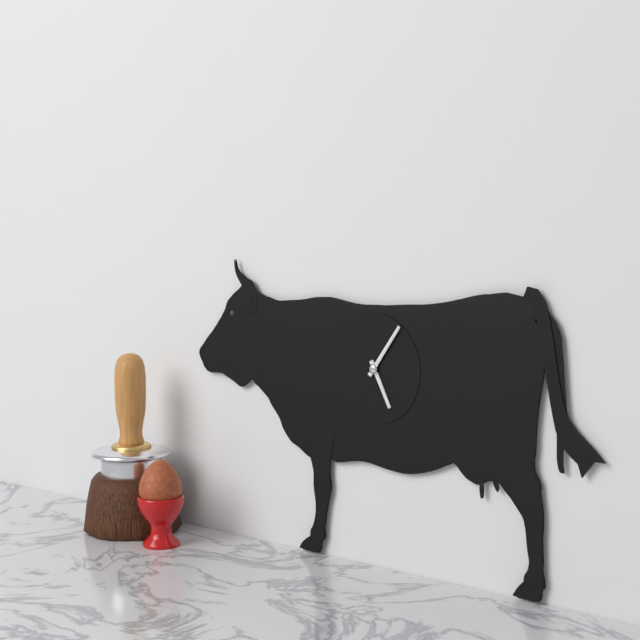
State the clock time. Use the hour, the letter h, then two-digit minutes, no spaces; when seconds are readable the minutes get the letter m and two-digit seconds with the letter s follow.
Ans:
5h06
